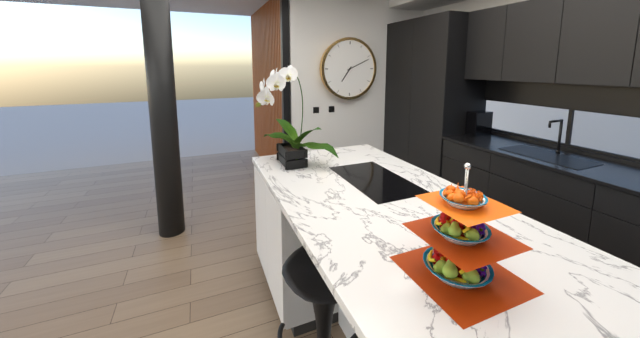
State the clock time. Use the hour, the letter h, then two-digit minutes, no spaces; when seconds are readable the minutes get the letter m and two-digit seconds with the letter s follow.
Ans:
7h11
